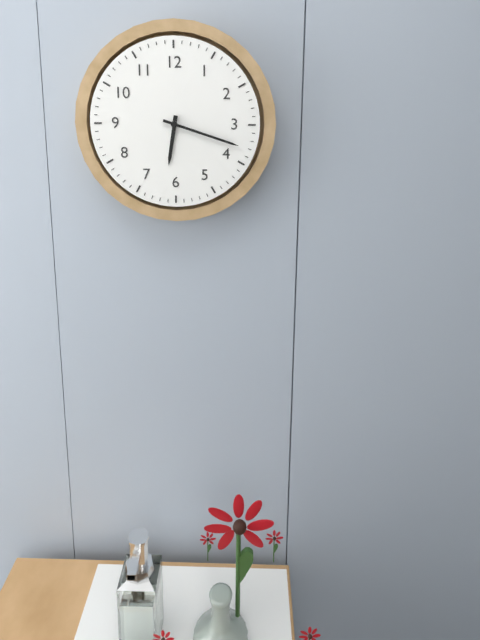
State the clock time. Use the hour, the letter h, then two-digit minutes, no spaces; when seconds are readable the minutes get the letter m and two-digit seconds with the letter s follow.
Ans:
6h18
